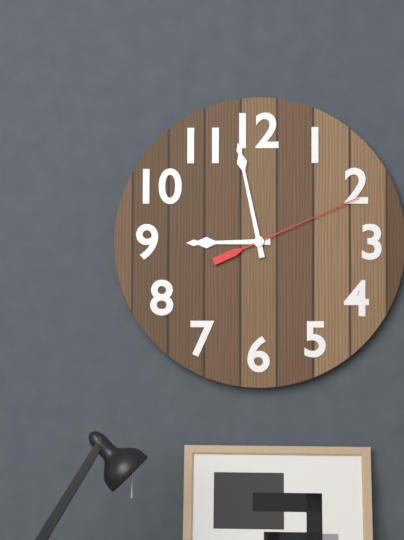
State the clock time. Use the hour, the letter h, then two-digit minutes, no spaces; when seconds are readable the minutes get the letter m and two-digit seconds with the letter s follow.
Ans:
8h58m11s
